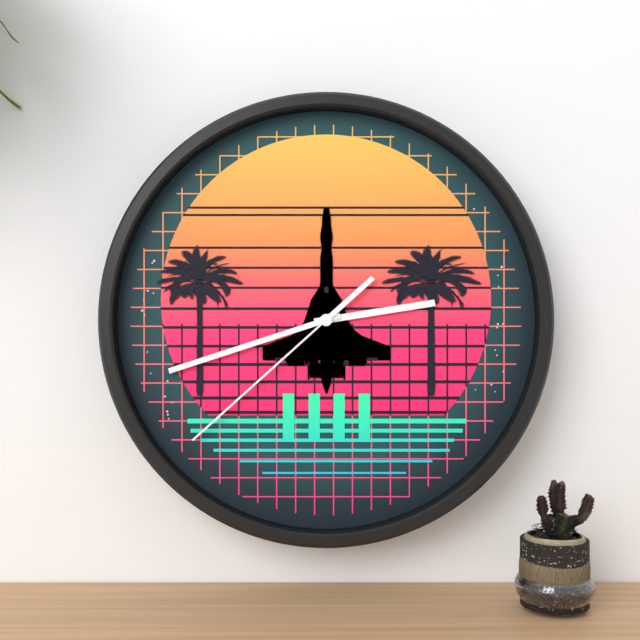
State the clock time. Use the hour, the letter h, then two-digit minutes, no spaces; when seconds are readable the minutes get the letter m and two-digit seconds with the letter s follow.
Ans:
2h42m38s
